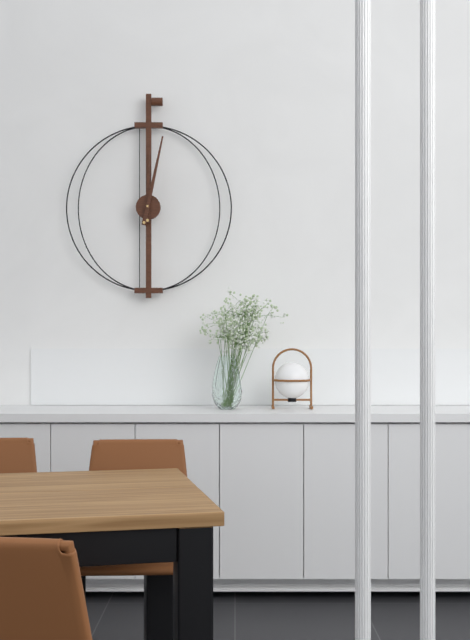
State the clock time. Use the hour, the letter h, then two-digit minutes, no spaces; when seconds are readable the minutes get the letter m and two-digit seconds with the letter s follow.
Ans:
12h02
